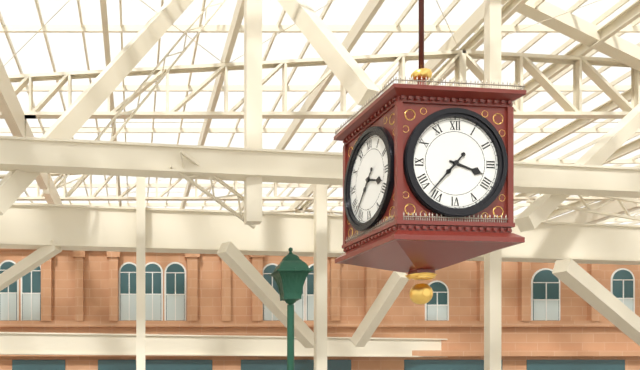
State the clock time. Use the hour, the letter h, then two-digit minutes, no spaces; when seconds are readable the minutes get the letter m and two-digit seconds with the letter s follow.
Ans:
3h37
